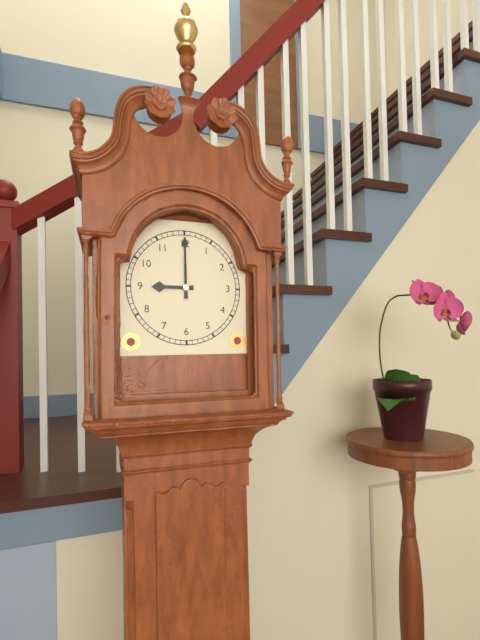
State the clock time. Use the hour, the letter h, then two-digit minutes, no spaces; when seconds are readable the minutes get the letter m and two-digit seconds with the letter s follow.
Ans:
9h00
